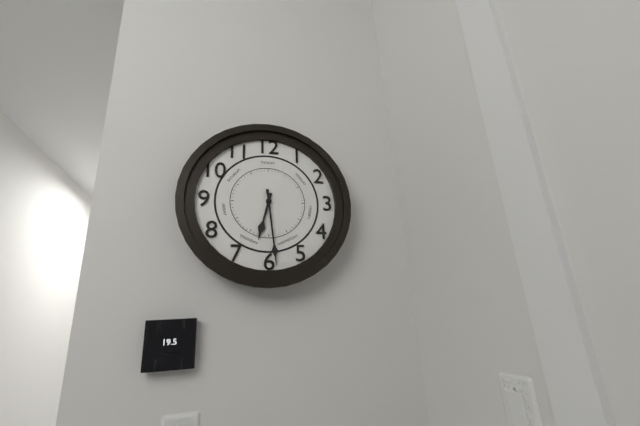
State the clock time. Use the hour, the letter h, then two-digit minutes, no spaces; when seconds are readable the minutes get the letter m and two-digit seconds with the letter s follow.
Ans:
6h29
